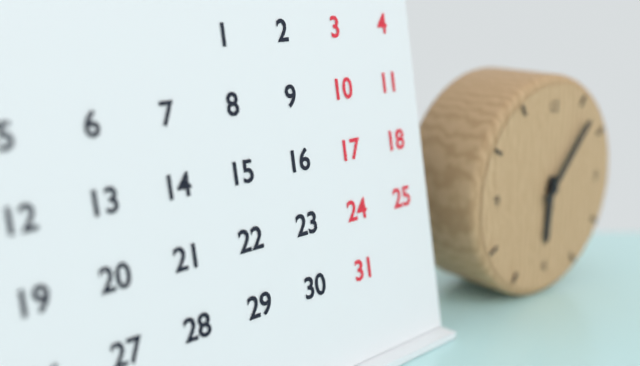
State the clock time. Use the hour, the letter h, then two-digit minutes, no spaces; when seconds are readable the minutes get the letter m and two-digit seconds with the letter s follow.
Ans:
6h07
